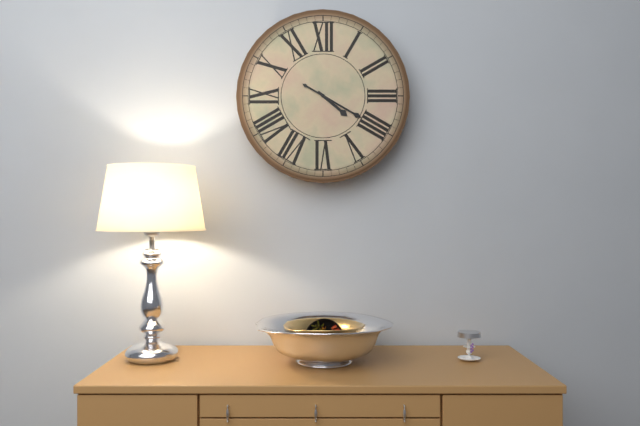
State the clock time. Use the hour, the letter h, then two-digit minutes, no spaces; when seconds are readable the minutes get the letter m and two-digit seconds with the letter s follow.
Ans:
4h20
